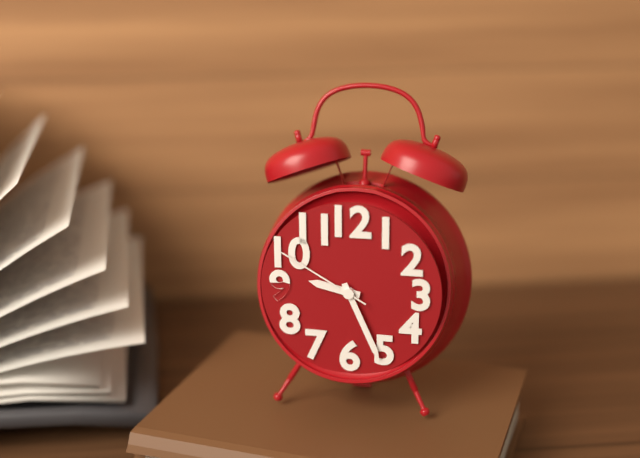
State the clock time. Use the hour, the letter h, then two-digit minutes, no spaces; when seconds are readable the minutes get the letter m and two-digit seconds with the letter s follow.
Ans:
9h26m50s
